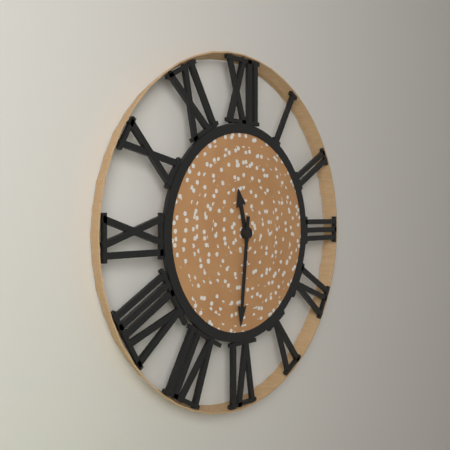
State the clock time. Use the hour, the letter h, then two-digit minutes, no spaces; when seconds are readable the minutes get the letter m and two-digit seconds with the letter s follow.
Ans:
11h31
